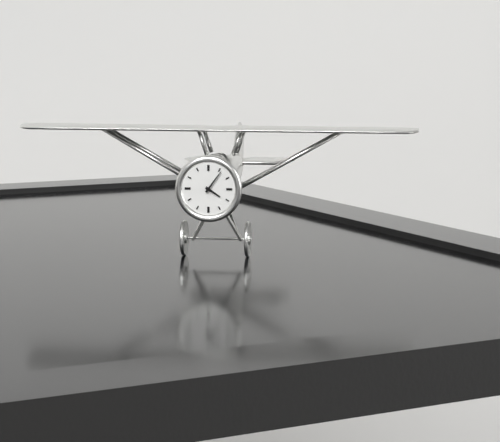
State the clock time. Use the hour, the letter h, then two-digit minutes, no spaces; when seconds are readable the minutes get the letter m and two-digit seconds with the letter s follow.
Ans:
4h06
